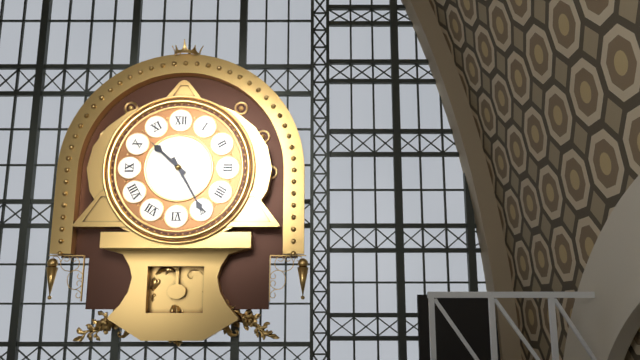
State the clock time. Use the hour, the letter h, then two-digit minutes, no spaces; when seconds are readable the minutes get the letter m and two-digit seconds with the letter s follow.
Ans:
10h25
